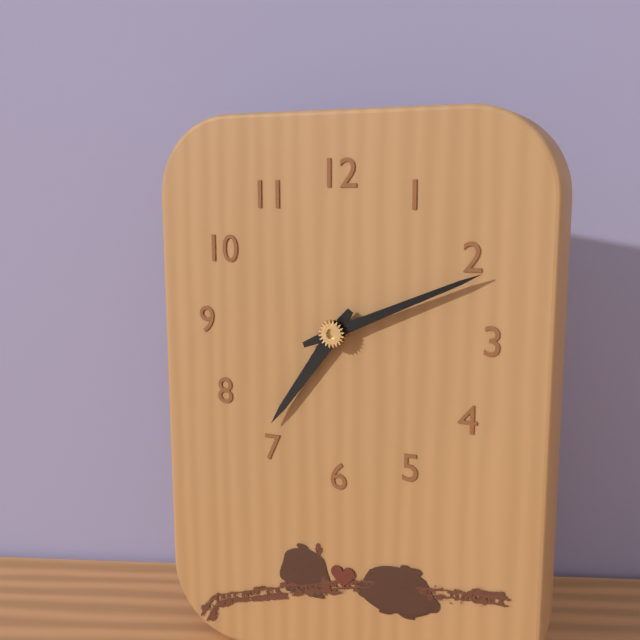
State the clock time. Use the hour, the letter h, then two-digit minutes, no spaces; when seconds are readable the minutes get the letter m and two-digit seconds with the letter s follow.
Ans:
7h11
